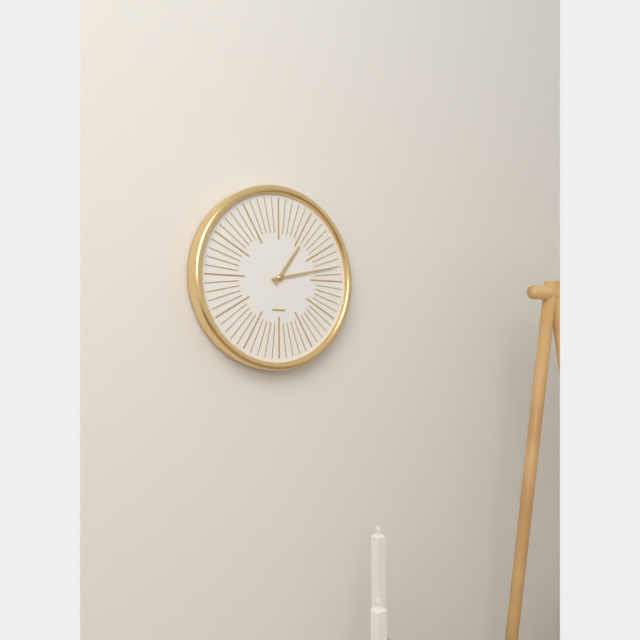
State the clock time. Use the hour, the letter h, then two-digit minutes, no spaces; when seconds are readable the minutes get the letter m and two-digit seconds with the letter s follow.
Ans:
1h13
